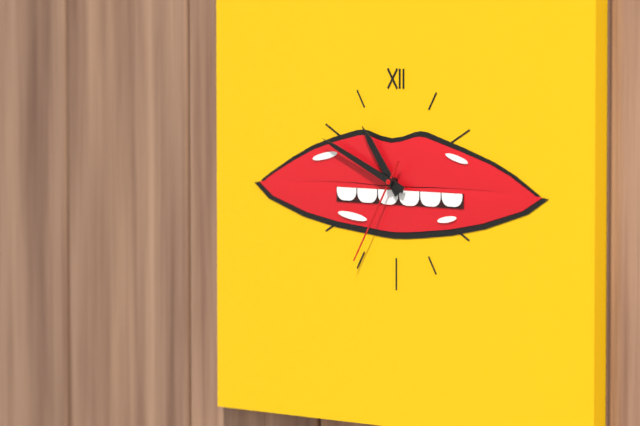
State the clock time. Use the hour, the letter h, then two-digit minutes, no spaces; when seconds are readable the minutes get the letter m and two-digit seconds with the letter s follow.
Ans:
10h49m35s
